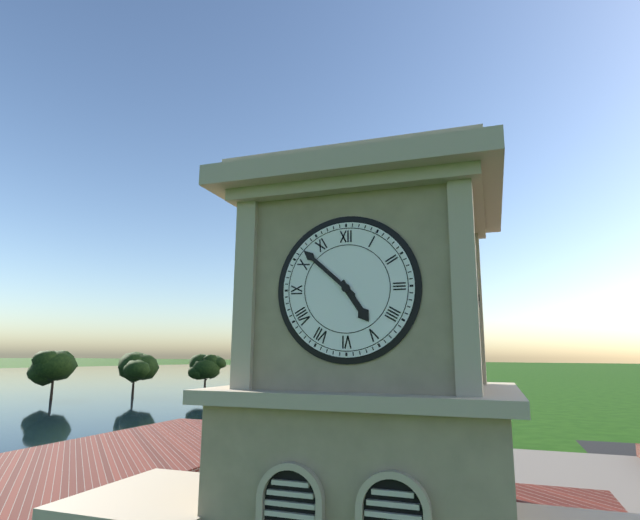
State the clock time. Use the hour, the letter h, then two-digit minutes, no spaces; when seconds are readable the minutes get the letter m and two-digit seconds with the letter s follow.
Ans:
4h52
